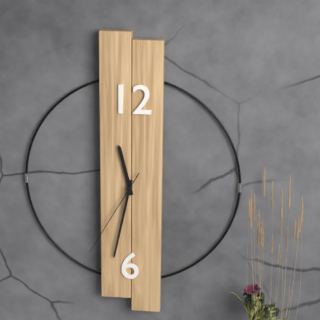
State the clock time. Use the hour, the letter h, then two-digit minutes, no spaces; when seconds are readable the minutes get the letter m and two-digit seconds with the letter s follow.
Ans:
11h32m35s
